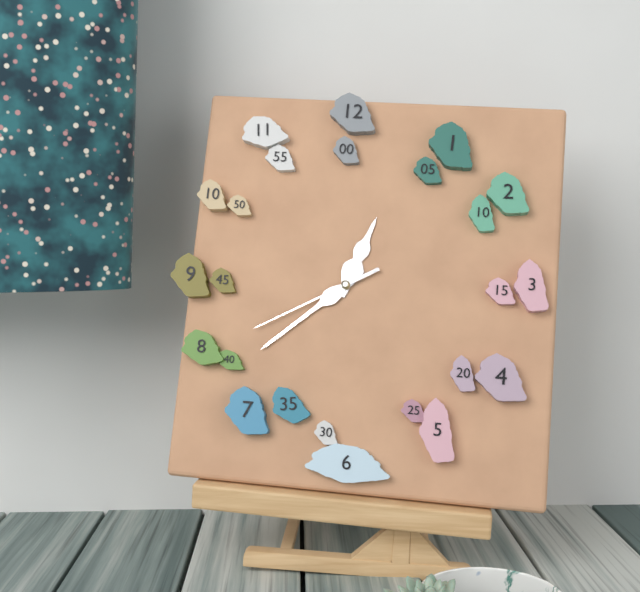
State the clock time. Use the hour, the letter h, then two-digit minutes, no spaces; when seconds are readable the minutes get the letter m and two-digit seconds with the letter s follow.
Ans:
12h38m40s
